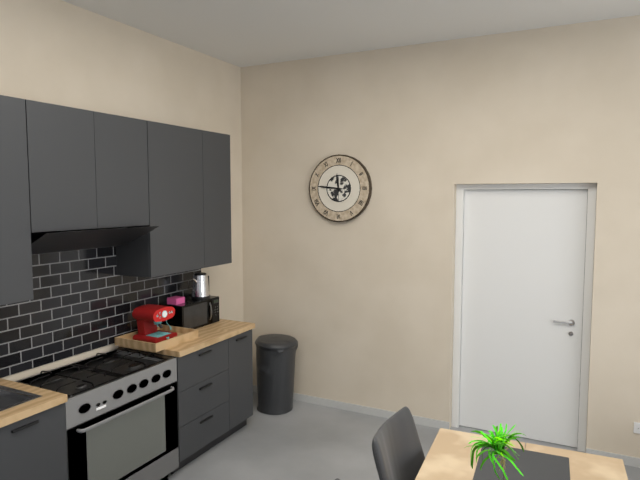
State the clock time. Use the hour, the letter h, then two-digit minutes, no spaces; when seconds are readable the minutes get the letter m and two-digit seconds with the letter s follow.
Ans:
11h46
